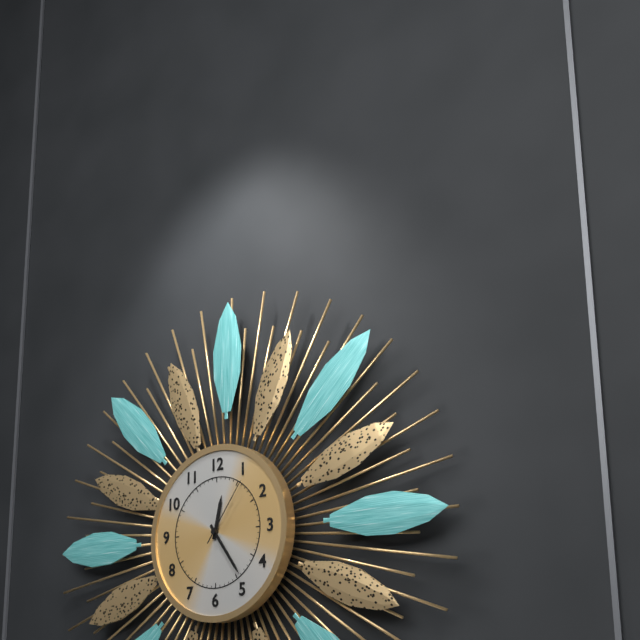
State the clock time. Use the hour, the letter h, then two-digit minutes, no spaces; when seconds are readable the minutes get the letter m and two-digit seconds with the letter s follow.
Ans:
12h24m06s
